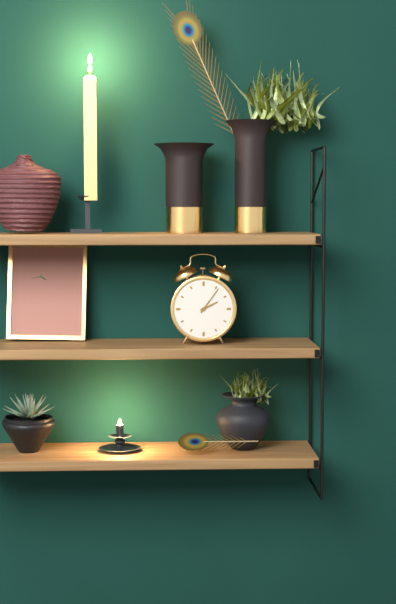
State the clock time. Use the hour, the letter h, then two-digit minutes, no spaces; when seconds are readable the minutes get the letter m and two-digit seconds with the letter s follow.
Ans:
2h06
